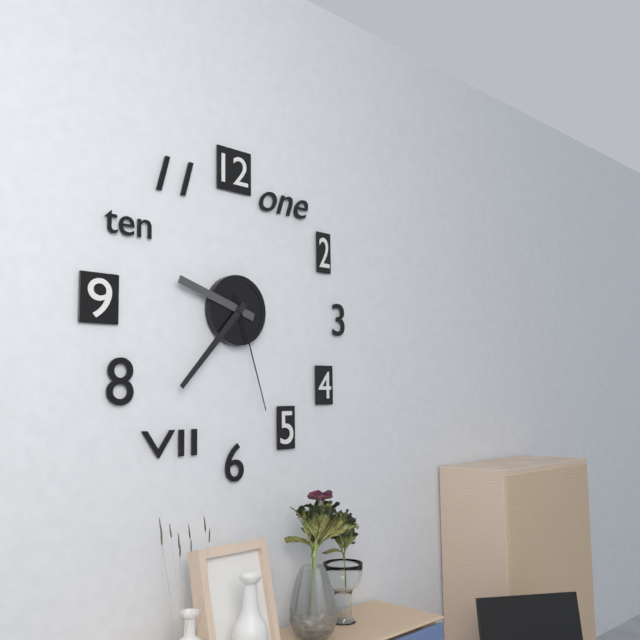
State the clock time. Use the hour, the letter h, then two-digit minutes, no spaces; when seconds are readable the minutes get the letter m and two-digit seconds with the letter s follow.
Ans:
9h37m27s
